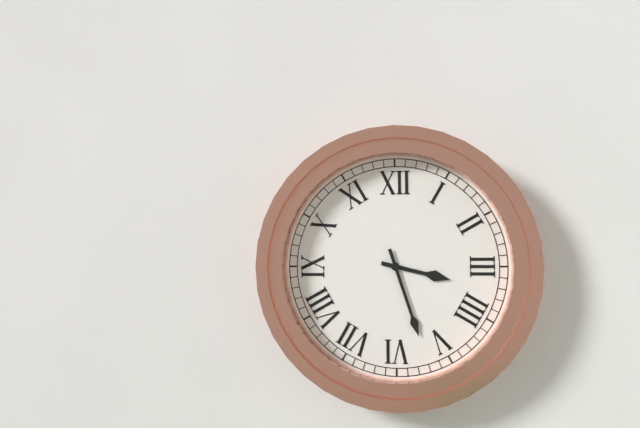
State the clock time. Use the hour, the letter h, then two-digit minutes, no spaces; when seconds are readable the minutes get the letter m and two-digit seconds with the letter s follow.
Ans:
3h27
